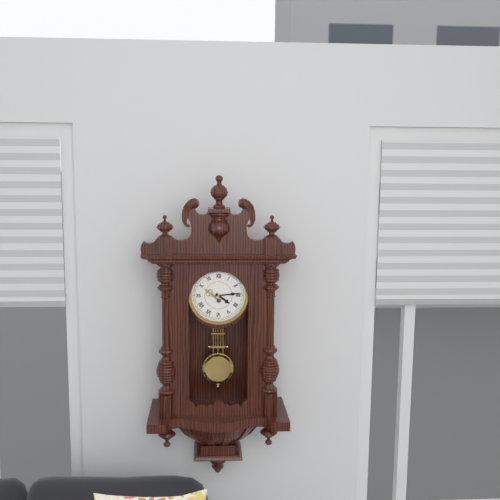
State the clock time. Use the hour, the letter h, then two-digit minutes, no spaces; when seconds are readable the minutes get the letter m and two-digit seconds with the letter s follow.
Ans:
4h14
